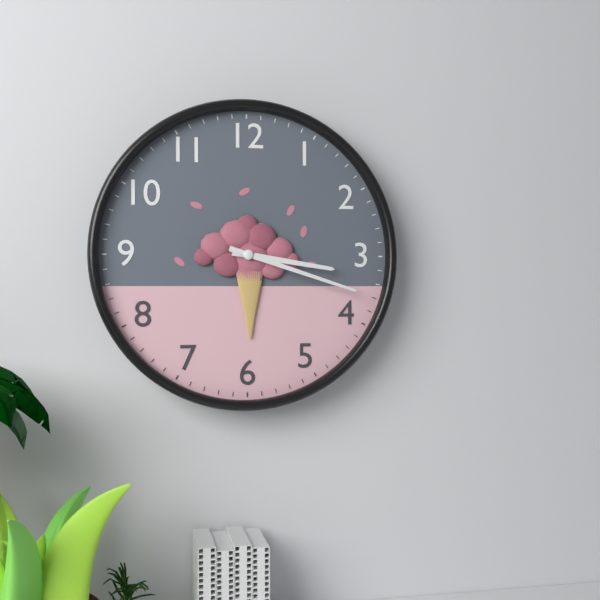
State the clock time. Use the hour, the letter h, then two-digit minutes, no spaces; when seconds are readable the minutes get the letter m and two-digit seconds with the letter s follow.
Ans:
3h18
